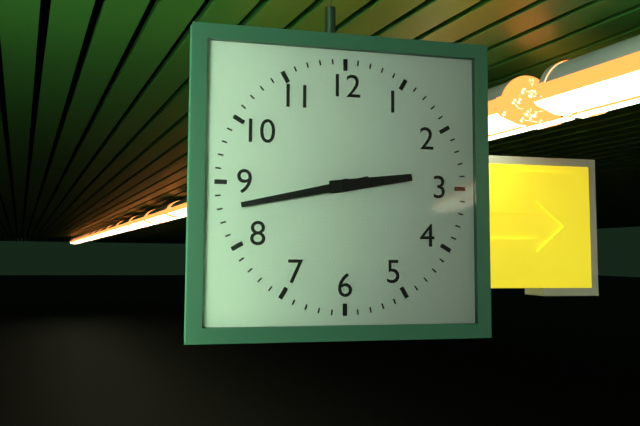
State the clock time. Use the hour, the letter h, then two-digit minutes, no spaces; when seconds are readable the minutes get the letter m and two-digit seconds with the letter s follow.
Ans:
2h43
